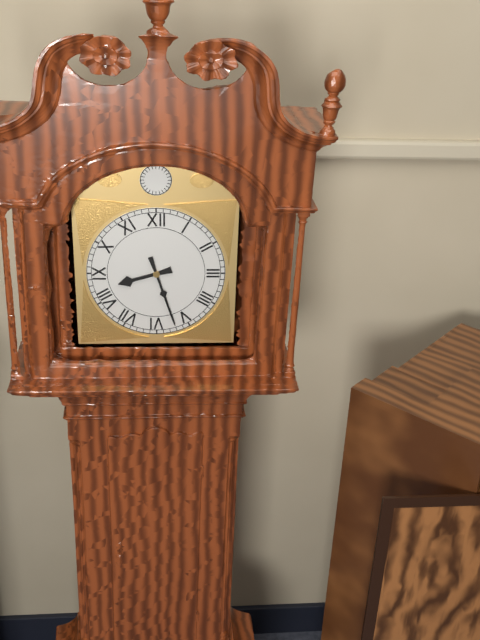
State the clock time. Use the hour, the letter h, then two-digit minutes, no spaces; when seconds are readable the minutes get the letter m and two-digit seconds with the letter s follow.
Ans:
8h27
